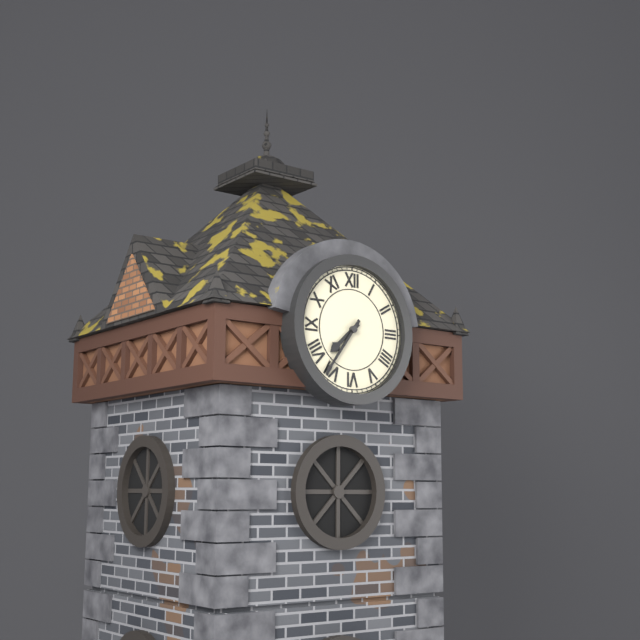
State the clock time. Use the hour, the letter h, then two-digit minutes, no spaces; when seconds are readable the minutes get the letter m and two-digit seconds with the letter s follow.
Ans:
7h36
